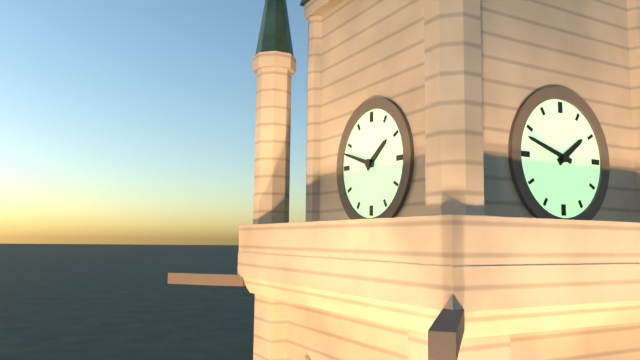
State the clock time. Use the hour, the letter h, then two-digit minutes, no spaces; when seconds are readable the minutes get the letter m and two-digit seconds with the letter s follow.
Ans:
1h48
